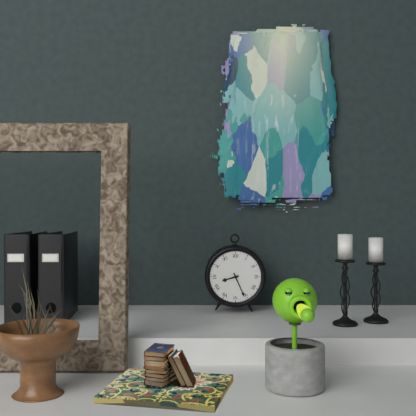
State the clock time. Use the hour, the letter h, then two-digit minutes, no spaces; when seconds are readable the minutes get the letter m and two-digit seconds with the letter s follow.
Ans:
8h26
